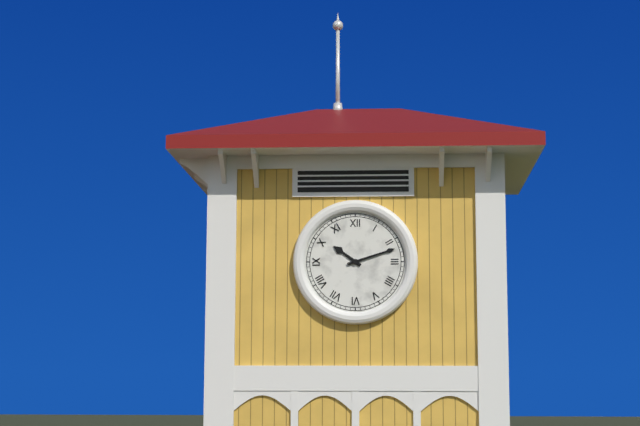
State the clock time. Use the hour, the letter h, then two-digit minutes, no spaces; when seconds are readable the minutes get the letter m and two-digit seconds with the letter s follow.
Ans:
10h12
